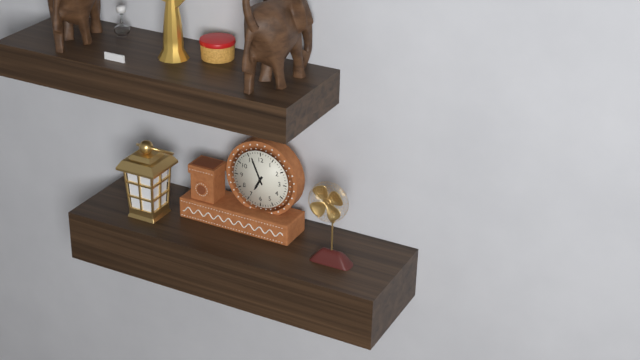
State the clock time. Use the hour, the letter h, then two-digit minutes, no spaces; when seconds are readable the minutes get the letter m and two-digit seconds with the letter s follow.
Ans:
6h56
